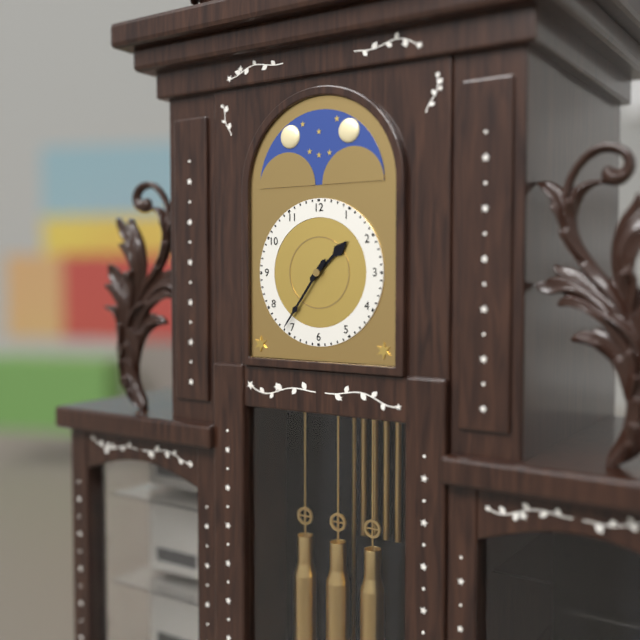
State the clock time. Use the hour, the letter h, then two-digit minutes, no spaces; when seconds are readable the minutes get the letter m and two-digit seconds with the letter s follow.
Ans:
1h36
